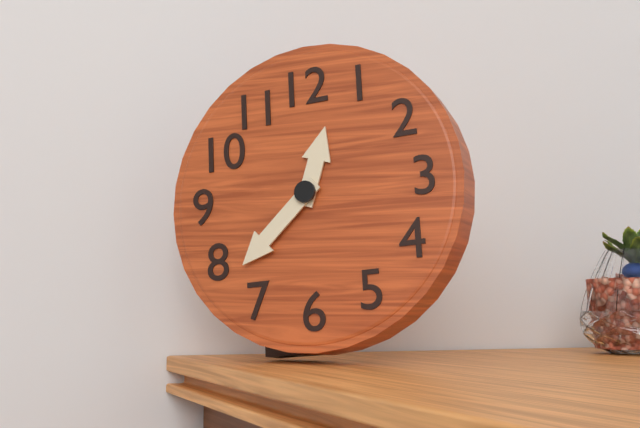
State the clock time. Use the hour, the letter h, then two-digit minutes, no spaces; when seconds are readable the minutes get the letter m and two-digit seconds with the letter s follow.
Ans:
12h38
